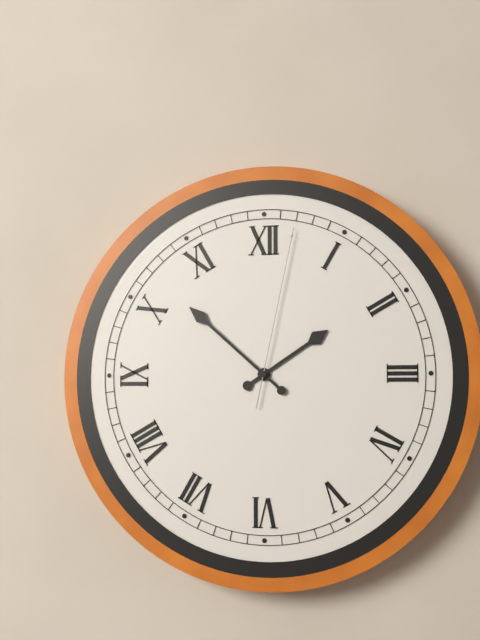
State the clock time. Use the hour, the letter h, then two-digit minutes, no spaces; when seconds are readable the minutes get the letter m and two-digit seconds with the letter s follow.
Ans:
1h52m02s
